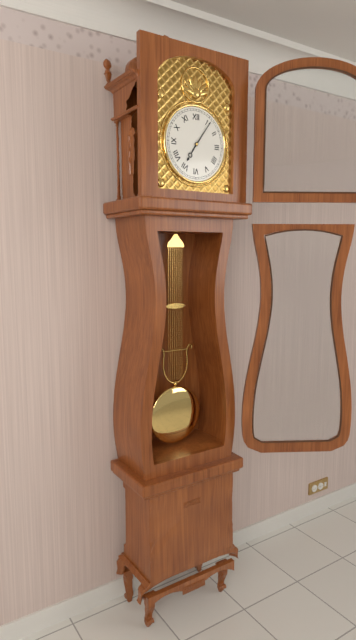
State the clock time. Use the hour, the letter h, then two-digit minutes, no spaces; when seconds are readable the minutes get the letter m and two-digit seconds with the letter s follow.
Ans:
7h06
